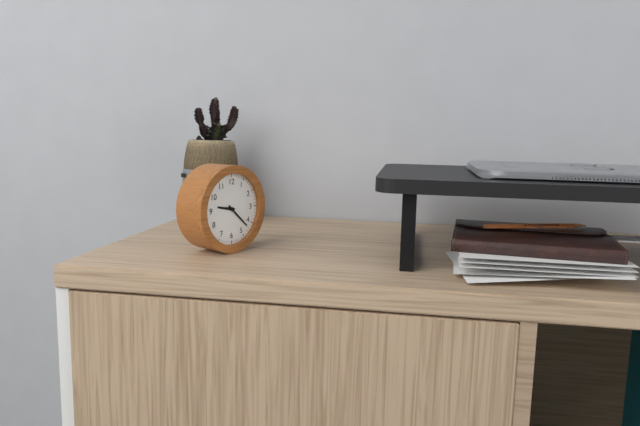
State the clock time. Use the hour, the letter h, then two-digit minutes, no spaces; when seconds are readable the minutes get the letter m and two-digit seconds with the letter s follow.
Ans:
9h22
